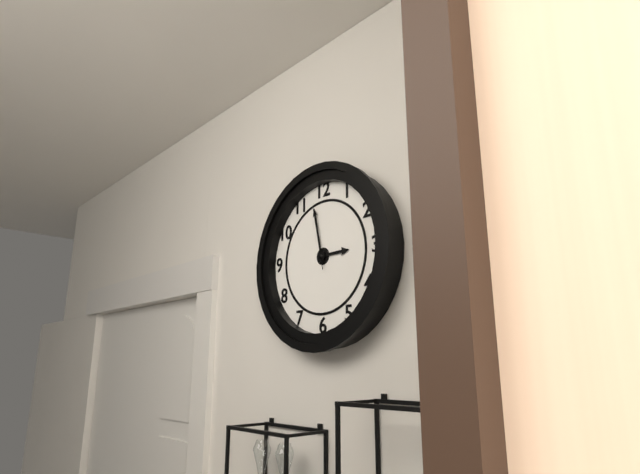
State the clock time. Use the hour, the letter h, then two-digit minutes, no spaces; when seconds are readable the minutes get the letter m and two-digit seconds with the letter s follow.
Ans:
2h58m58s
